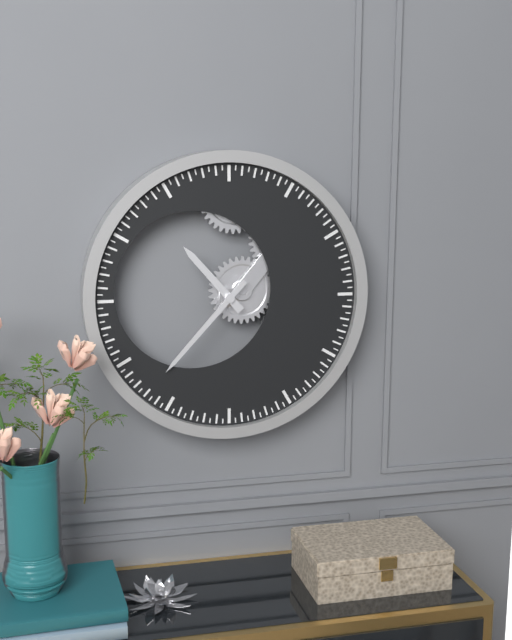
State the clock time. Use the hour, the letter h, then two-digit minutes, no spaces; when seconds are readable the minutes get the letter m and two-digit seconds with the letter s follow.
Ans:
10h37
